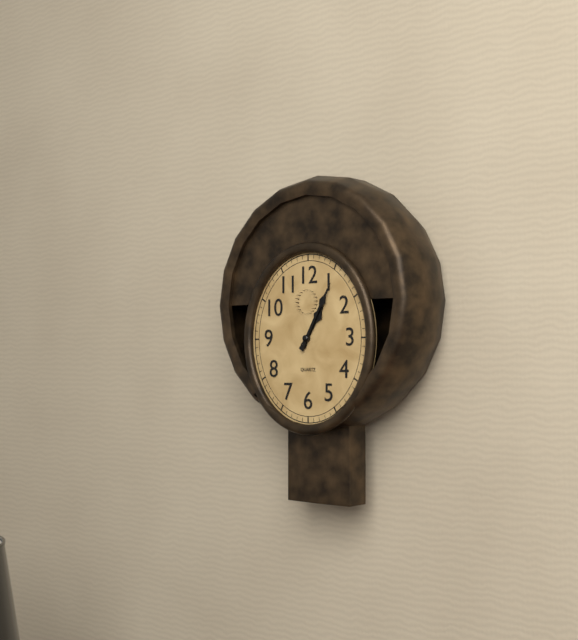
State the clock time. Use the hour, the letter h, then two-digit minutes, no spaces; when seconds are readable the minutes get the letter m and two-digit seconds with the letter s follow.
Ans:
1h05
